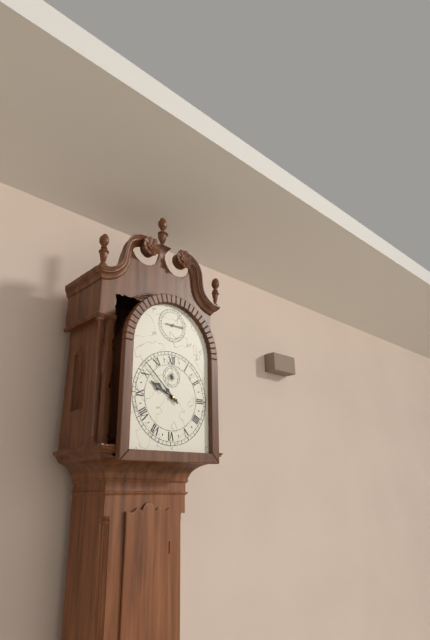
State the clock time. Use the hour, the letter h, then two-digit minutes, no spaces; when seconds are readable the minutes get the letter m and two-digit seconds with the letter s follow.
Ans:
9h52
